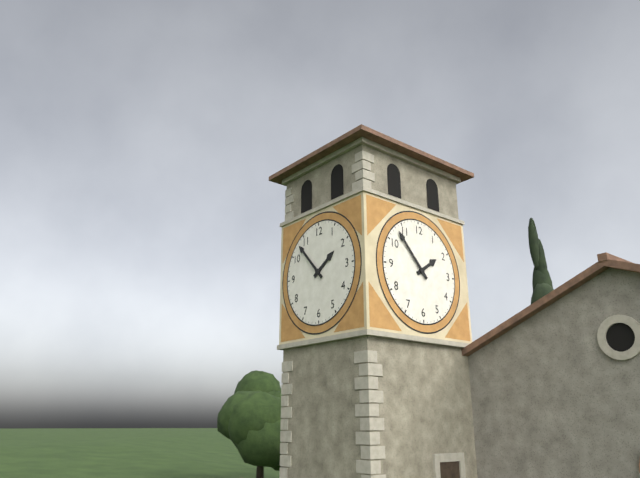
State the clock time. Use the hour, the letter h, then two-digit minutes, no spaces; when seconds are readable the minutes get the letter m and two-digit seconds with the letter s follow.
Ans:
1h53
